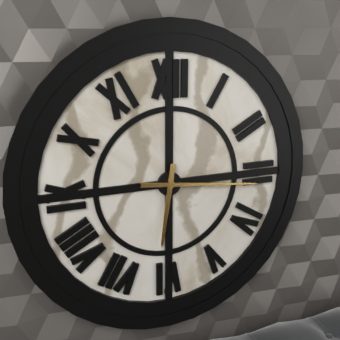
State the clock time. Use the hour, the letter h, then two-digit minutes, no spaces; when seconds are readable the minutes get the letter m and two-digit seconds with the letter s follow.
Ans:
6h16
